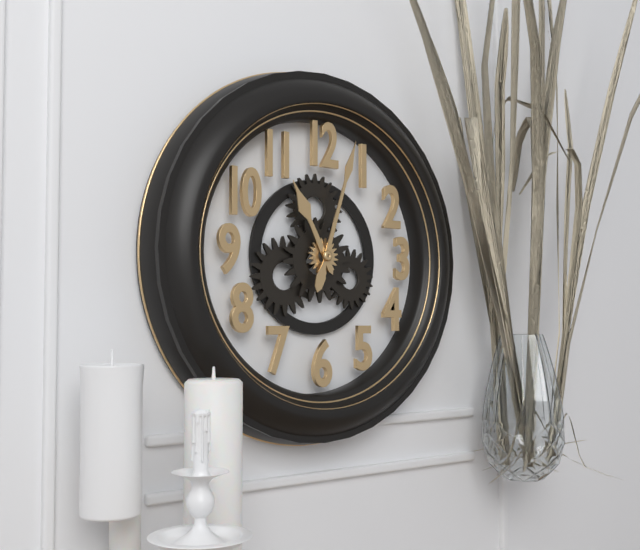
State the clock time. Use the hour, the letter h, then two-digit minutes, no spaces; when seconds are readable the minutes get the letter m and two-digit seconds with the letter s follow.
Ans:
11h03
